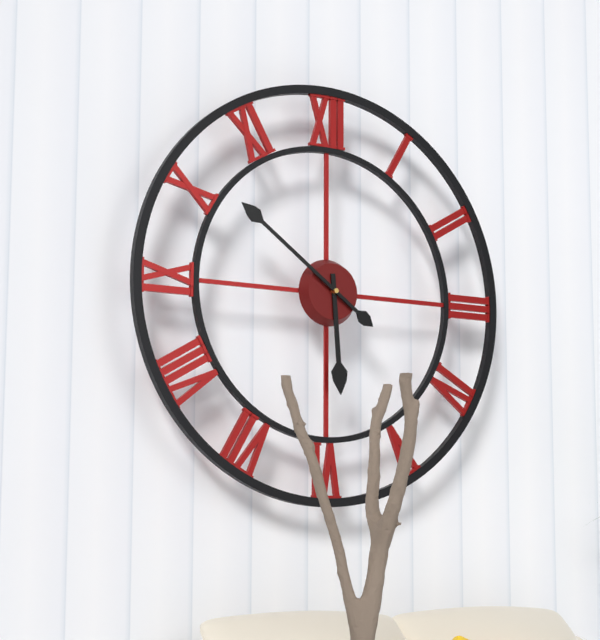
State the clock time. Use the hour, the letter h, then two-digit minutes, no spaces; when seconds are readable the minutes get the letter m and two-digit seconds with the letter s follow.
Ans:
5h51
